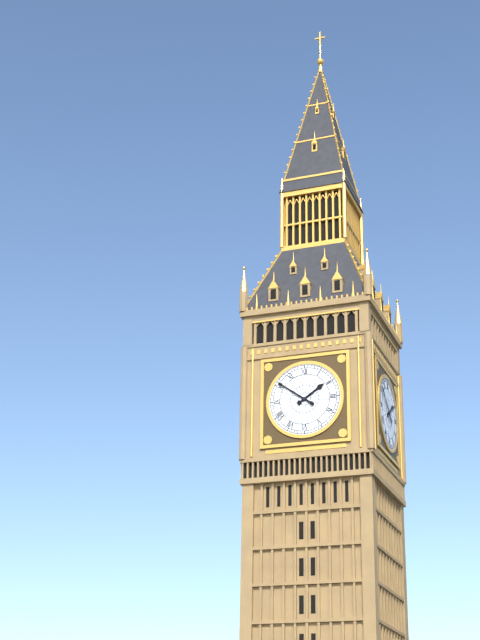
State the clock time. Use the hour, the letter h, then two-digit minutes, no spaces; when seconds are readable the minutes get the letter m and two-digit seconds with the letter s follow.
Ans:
1h51
